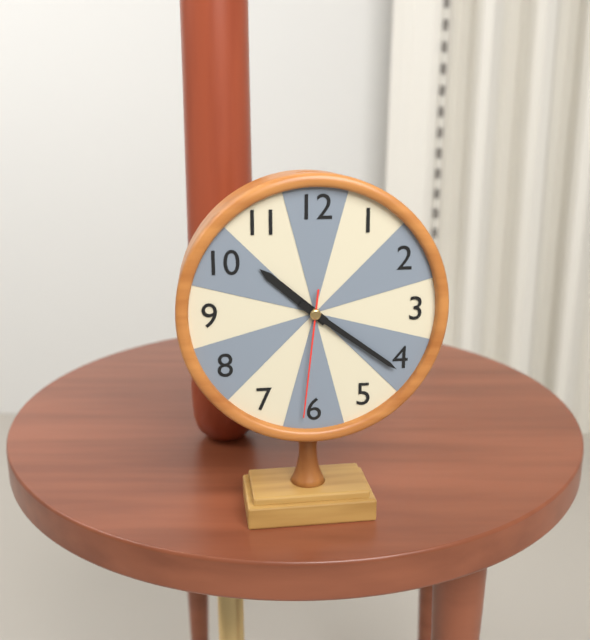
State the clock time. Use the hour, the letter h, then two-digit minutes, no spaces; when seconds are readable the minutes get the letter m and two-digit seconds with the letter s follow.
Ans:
10h21m31s
